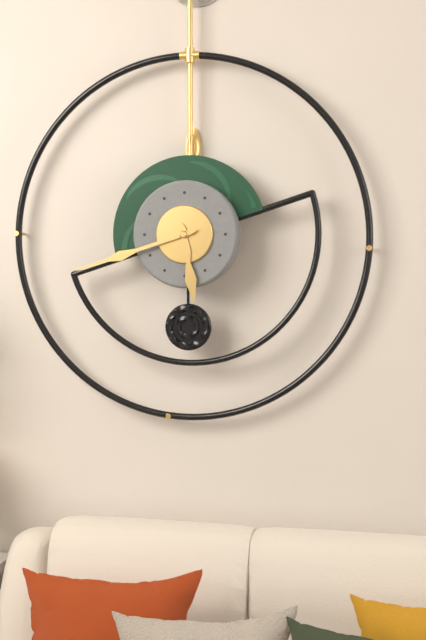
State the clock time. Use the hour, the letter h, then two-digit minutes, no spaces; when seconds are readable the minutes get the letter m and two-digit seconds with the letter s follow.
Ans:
5h42
